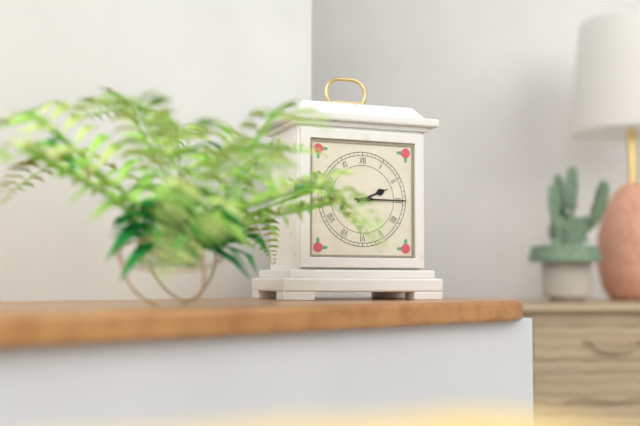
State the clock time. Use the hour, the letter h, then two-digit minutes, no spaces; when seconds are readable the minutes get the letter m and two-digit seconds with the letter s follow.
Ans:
2h15
